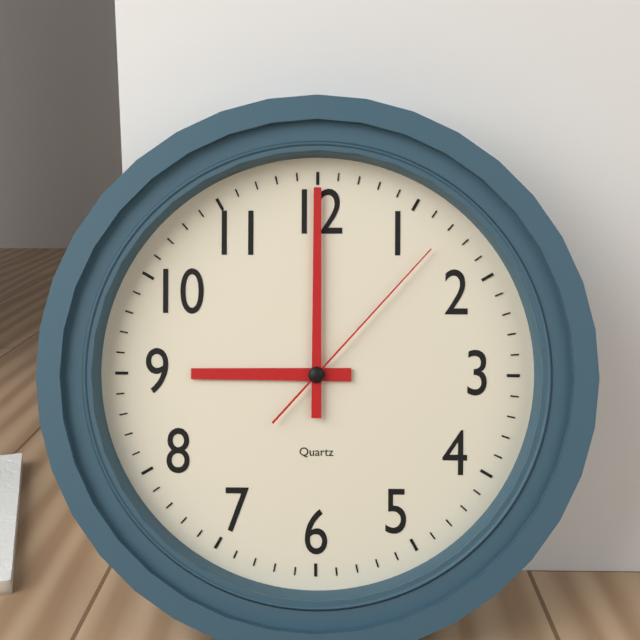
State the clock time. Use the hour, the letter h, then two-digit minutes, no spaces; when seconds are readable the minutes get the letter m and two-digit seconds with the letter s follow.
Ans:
9h00m07s
